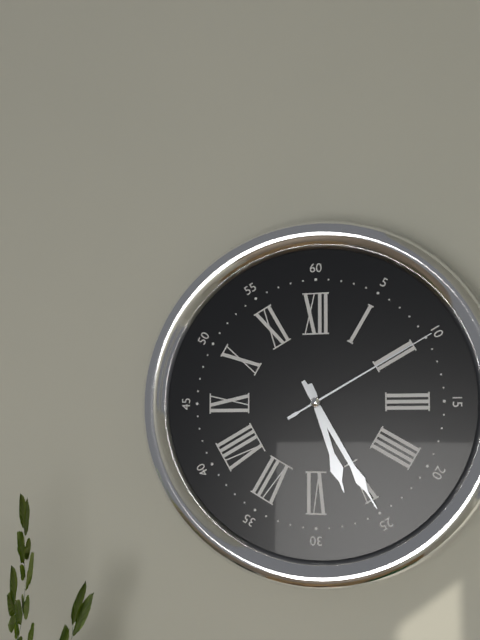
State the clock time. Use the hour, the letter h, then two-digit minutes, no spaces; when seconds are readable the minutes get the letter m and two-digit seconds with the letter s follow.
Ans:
5h25m10s
